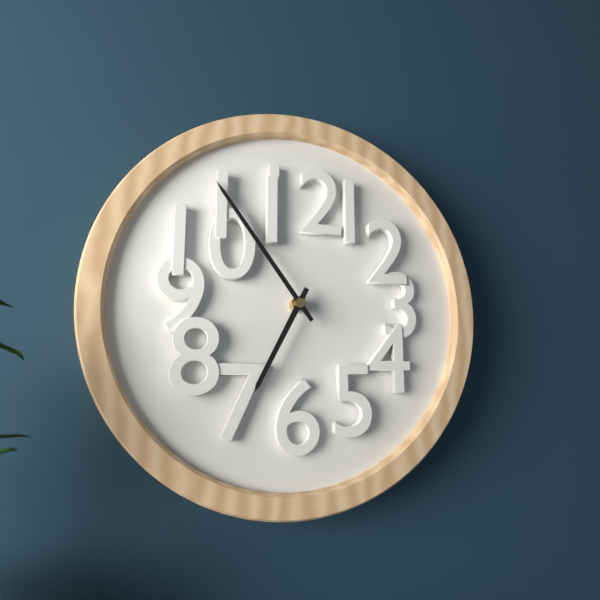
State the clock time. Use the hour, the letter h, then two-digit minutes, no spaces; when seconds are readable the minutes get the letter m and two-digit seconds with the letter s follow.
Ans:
6h54
